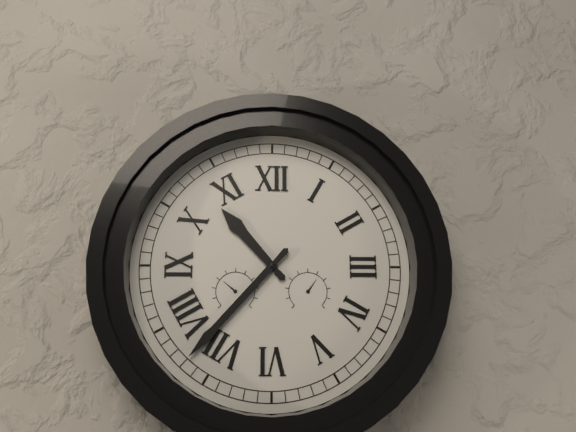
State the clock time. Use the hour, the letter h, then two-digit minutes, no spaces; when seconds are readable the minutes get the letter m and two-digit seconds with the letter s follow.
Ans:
10h37
